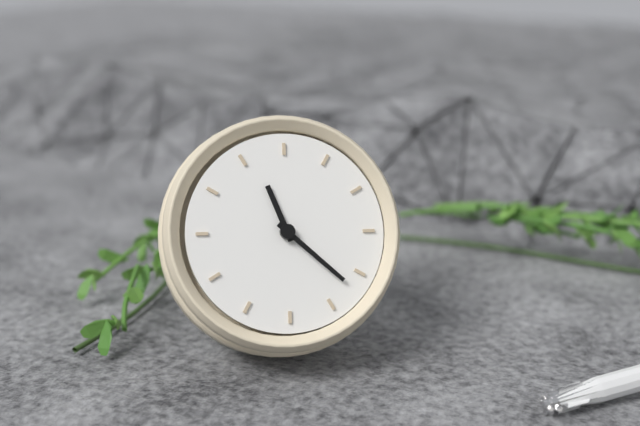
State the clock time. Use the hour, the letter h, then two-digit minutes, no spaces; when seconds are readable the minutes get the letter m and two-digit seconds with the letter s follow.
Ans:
10h17
